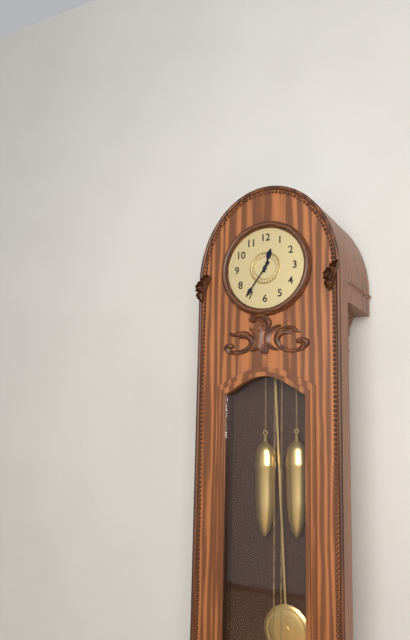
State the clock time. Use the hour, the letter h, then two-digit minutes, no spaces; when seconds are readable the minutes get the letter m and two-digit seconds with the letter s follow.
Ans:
12h36
